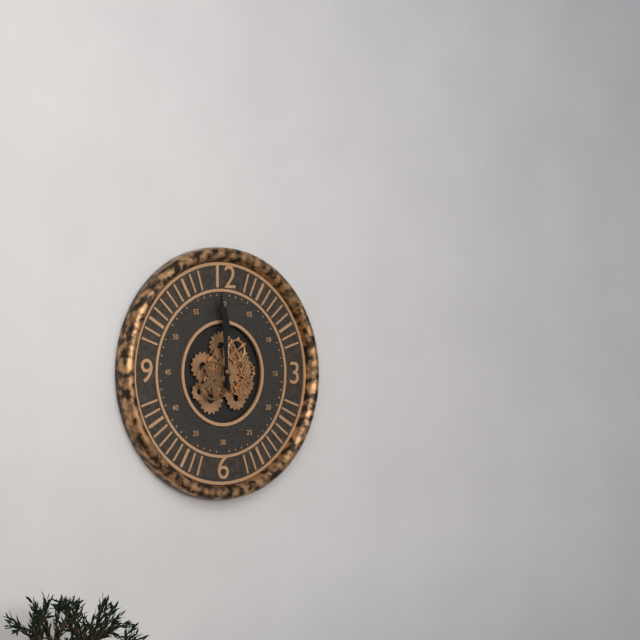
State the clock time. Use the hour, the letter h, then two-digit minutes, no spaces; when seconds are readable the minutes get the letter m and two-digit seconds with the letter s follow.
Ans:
11h59
